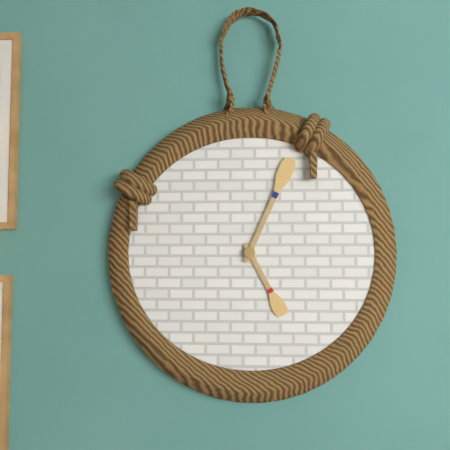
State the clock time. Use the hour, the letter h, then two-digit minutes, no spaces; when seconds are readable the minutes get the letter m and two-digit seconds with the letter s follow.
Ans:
5h04
